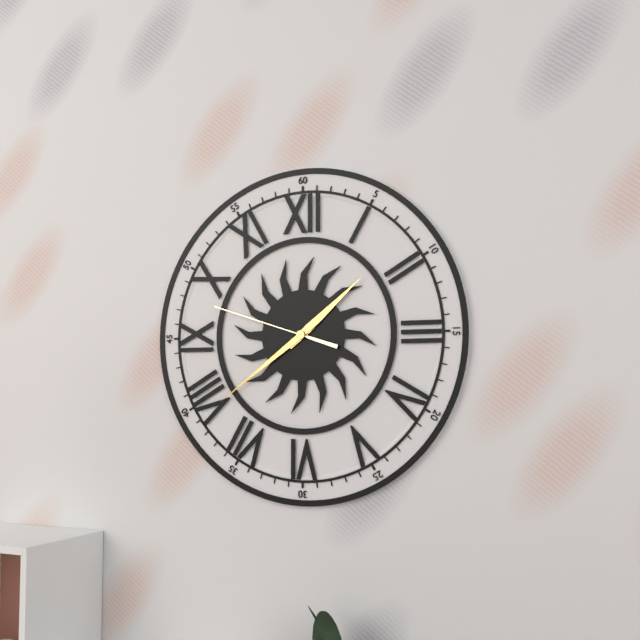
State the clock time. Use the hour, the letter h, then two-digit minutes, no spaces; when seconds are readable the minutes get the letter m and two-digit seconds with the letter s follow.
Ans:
1h39m48s
